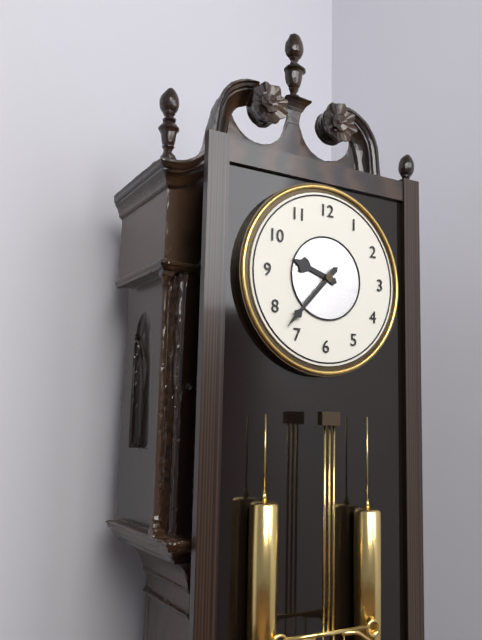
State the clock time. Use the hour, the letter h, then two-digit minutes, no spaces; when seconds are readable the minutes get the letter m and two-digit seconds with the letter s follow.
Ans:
9h37
